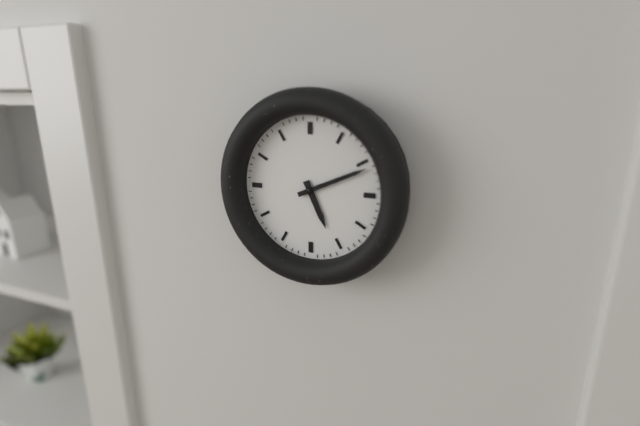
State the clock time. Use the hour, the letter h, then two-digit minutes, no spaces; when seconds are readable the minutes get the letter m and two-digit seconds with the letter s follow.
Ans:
5h11
